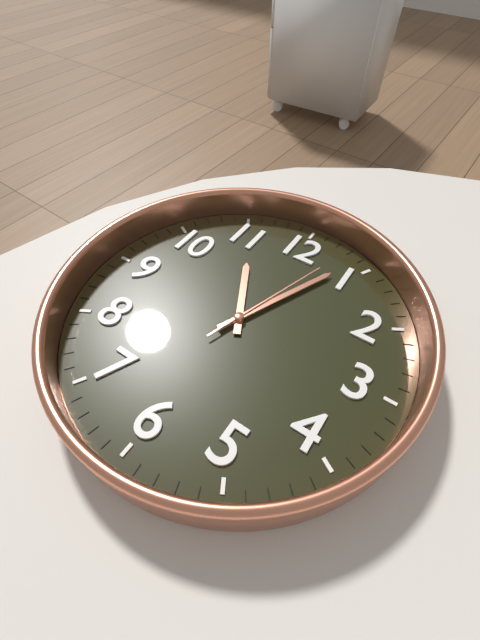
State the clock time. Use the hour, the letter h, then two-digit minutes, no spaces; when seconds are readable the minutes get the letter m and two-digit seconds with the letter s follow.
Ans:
11h04m03s
